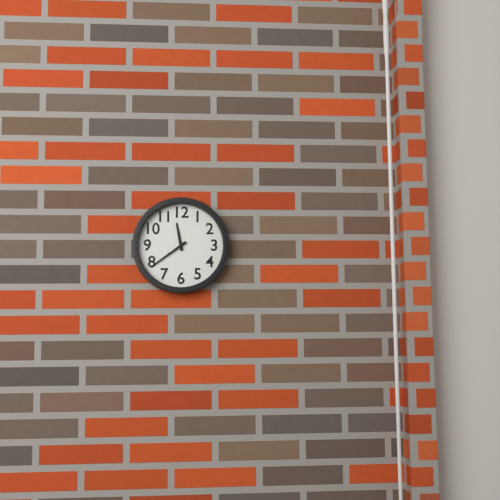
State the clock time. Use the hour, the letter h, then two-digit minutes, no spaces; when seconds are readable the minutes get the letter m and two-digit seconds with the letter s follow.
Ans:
11h39
